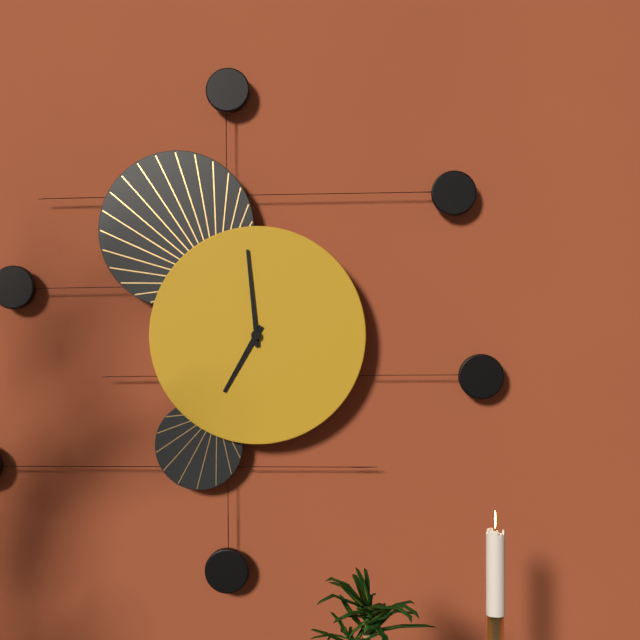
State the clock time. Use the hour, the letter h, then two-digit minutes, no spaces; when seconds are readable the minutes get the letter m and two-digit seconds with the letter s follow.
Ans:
6h59
